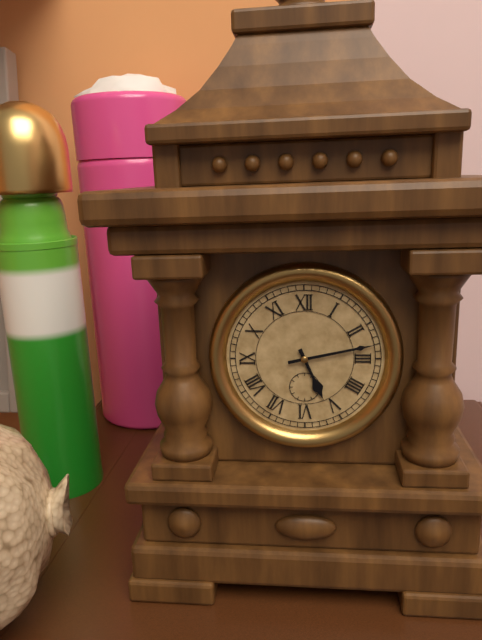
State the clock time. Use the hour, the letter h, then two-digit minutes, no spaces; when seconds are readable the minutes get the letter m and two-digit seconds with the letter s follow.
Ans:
5h13
